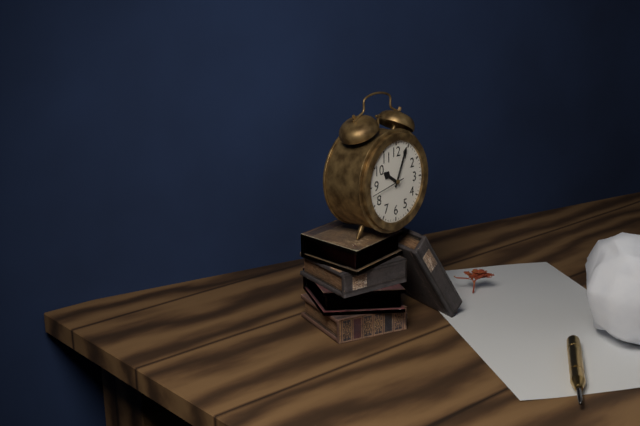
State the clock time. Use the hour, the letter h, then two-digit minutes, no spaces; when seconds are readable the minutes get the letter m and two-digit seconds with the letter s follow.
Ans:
10h04
